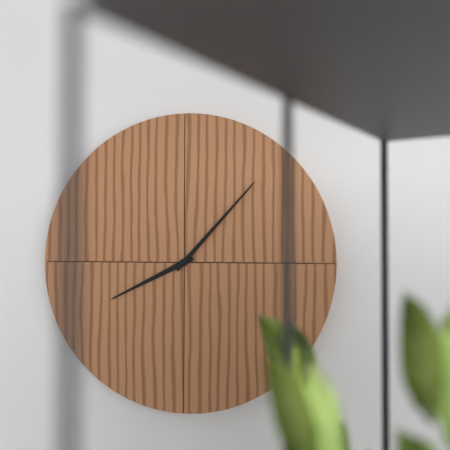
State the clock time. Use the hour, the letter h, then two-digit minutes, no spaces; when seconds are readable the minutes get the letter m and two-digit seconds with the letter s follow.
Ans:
8h07
